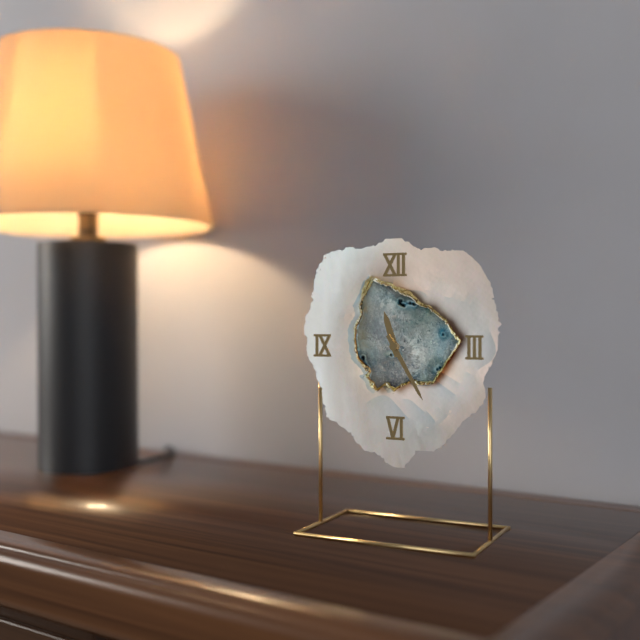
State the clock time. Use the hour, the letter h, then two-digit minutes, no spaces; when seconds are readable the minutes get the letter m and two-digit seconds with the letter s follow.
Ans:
11h25
